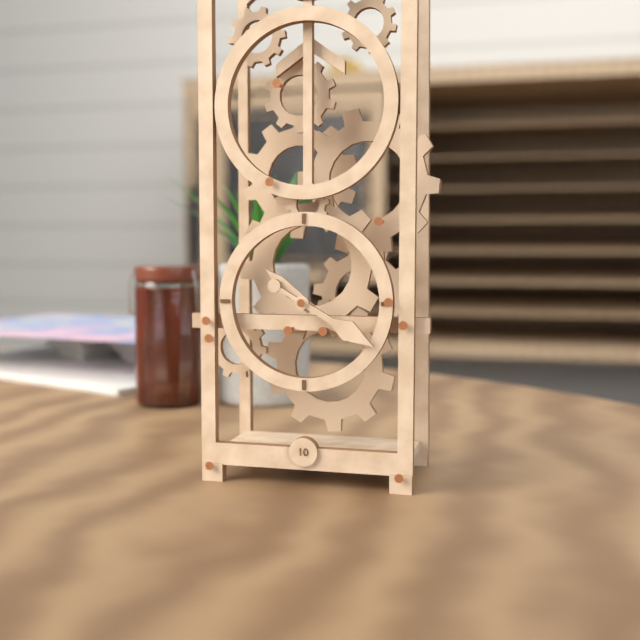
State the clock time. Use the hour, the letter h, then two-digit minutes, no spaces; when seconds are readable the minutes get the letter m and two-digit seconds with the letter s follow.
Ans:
10h20
